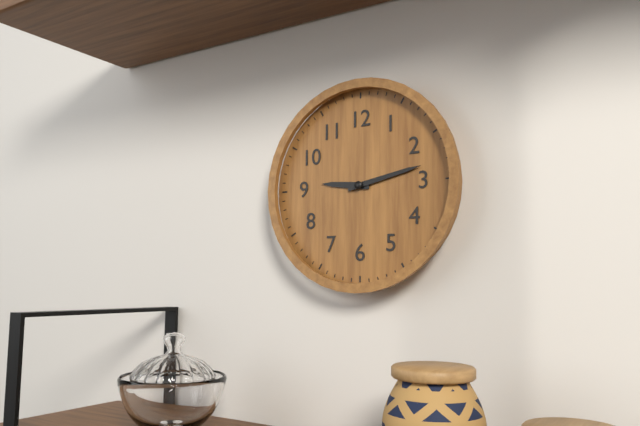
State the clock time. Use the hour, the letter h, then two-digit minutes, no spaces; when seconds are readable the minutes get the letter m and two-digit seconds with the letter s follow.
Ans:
9h13
